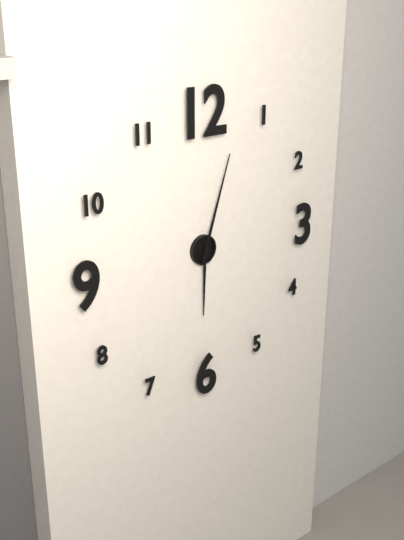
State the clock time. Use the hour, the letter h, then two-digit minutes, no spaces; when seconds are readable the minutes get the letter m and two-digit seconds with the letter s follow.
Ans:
6h03
